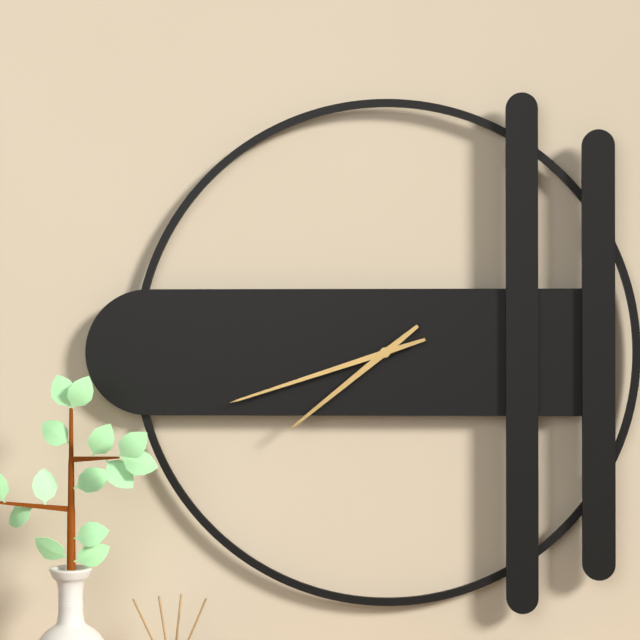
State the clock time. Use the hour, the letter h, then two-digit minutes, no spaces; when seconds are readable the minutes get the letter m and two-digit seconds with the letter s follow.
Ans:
7h42
